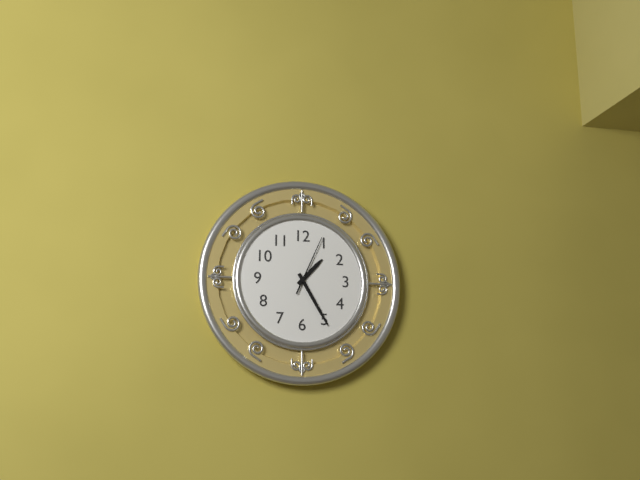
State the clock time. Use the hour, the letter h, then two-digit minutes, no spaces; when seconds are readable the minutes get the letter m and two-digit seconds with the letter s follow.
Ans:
1h25m04s
